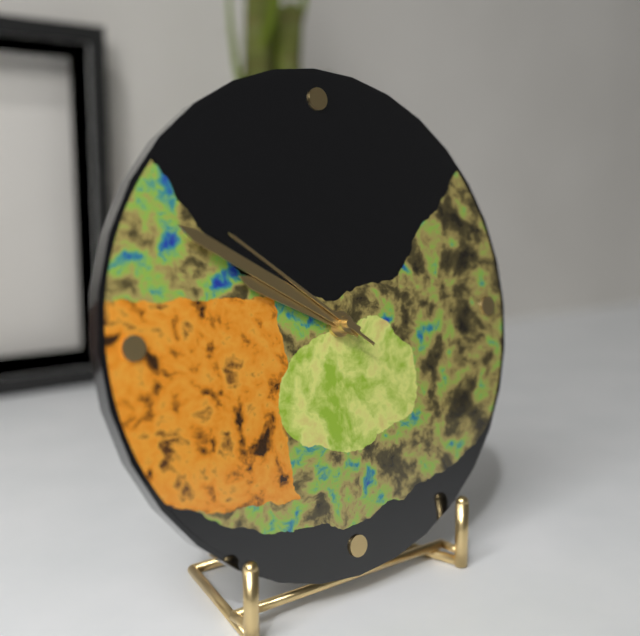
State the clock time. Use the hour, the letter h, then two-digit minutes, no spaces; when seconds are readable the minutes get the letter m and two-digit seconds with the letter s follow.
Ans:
9h50m51s
